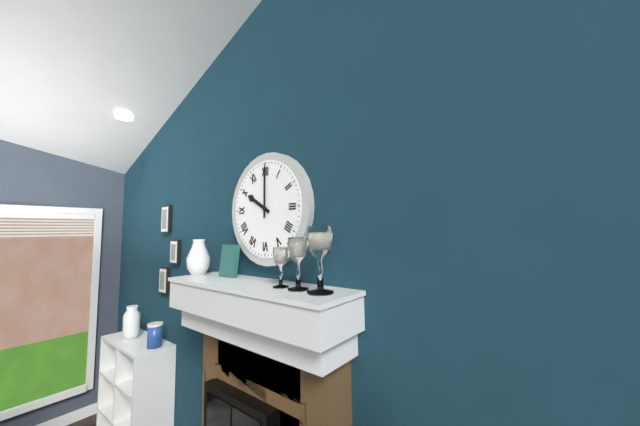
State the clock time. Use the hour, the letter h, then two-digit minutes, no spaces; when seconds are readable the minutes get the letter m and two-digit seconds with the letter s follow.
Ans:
10h00
